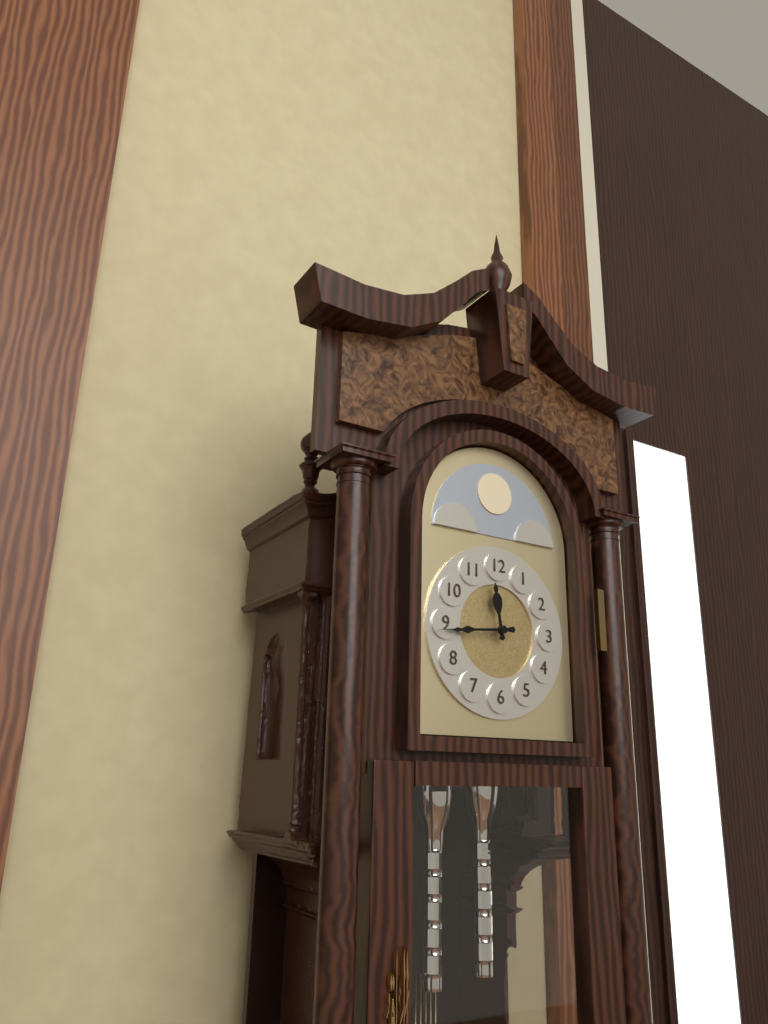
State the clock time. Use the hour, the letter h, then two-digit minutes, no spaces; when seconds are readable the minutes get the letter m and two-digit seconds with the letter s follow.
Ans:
11h44
